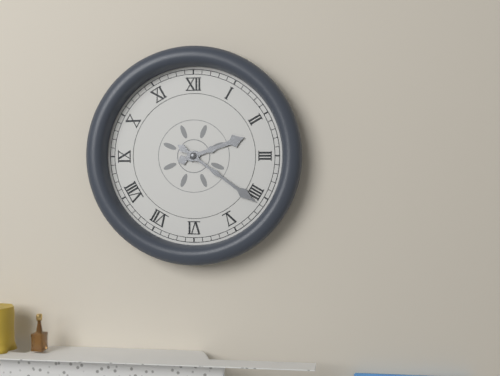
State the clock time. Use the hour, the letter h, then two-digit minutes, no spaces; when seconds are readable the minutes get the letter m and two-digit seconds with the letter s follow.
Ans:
2h21
